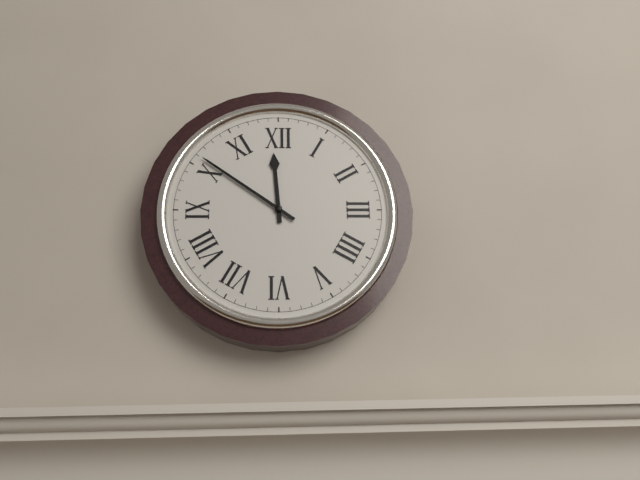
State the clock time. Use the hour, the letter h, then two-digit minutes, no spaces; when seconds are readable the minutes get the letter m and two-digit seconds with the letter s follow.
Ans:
11h51
